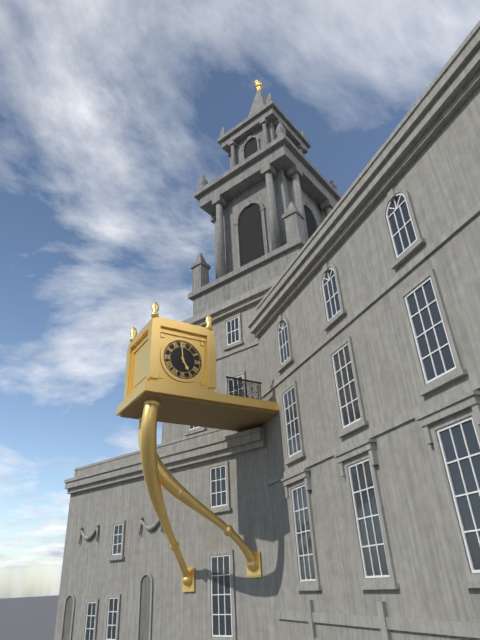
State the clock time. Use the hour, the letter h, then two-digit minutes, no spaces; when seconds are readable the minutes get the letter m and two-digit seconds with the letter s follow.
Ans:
4h59
